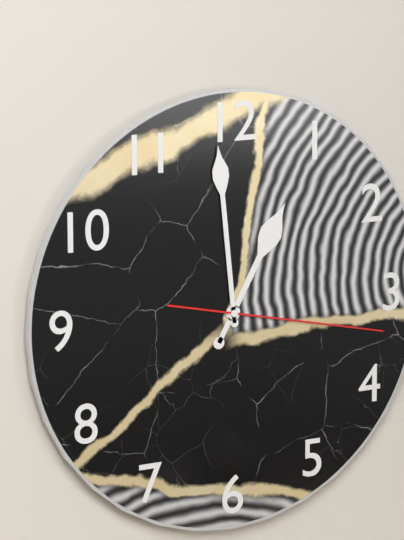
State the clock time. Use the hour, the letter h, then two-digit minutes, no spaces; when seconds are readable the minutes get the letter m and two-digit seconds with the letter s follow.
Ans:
12h59m17s
